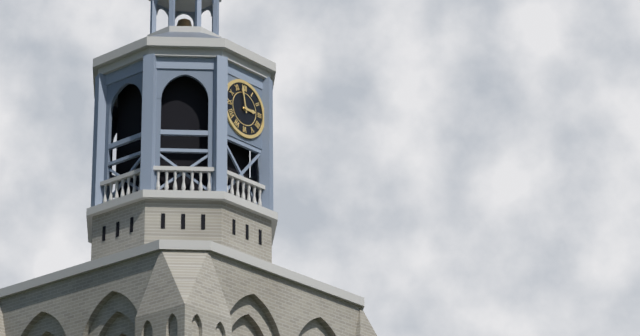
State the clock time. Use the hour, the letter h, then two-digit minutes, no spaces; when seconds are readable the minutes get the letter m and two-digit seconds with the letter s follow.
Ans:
2h58
